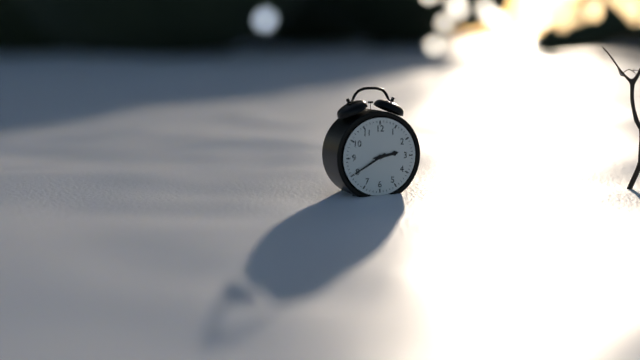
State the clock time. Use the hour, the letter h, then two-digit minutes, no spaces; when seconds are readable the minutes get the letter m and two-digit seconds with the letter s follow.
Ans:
2h40
